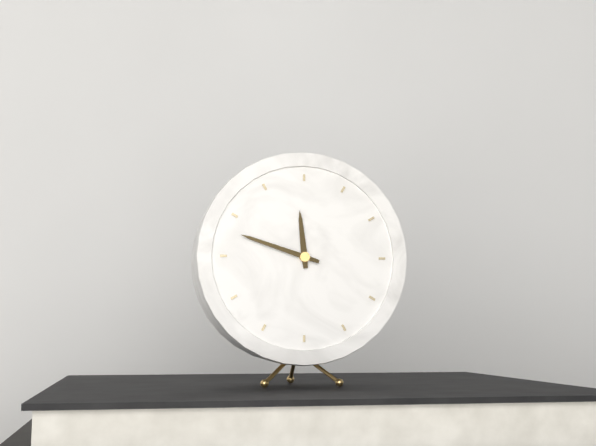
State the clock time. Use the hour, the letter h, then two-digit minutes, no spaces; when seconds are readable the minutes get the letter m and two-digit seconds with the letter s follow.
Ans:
11h48
